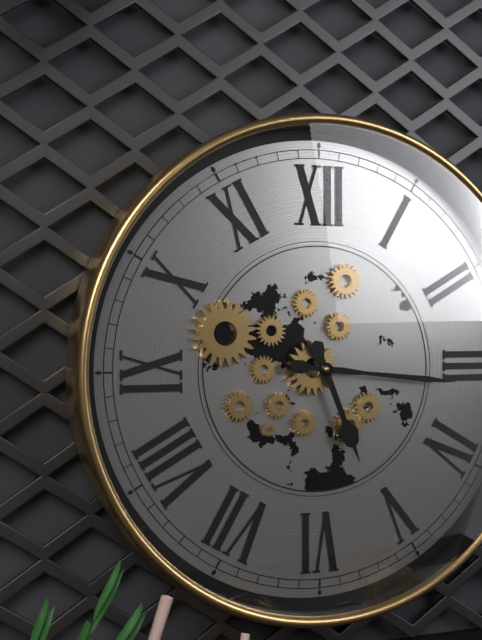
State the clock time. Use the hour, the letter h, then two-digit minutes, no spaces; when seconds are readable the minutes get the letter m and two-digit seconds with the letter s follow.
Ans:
5h16
